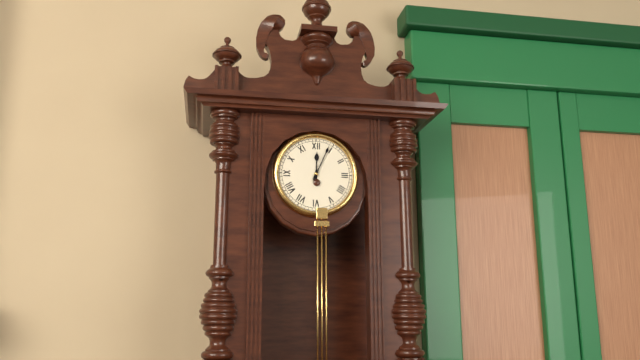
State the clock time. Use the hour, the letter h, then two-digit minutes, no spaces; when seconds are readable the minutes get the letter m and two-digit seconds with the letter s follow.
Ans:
12h04
